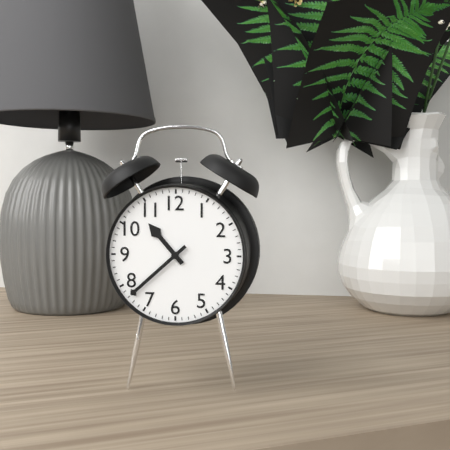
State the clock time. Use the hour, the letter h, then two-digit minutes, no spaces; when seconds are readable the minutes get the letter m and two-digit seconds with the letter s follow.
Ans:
10h38
